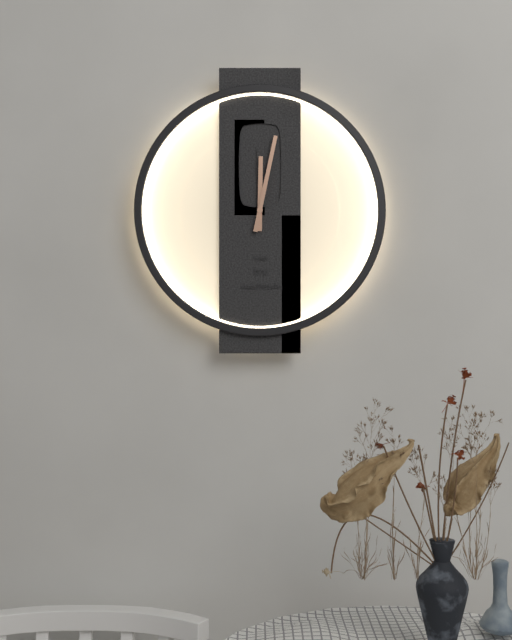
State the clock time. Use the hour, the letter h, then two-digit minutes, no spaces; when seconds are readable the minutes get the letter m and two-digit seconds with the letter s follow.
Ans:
12h02
